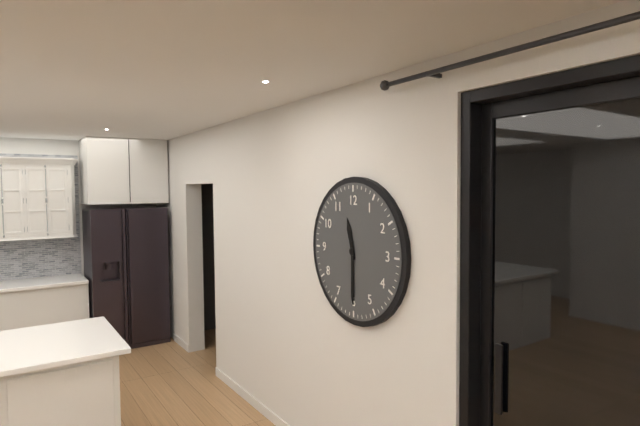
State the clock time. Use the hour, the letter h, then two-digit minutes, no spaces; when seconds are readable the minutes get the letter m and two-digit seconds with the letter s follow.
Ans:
11h30
